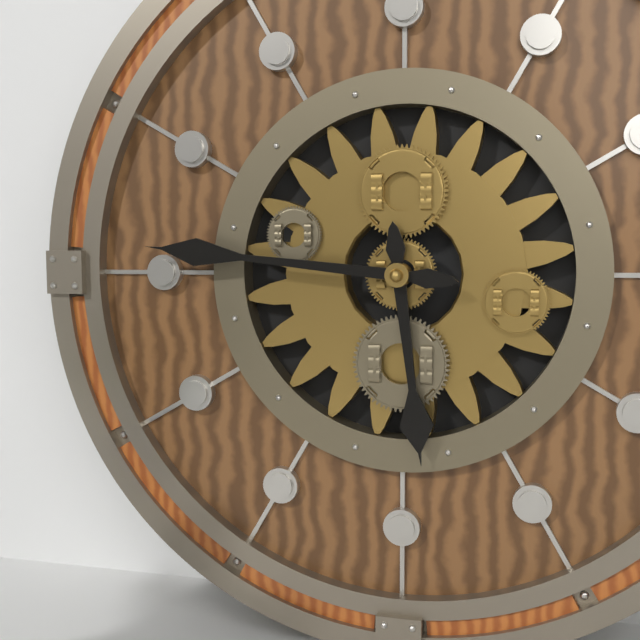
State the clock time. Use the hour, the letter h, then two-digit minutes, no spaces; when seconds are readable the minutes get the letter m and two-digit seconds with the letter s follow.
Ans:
5h46
